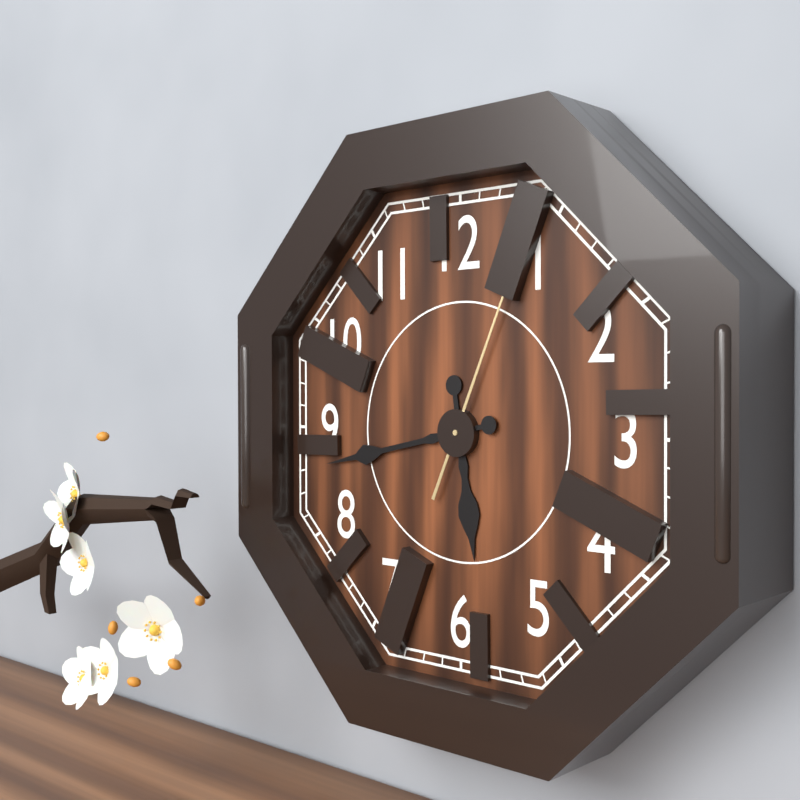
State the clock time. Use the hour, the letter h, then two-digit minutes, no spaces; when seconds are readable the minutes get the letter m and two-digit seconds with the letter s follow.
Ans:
5h43m04s
